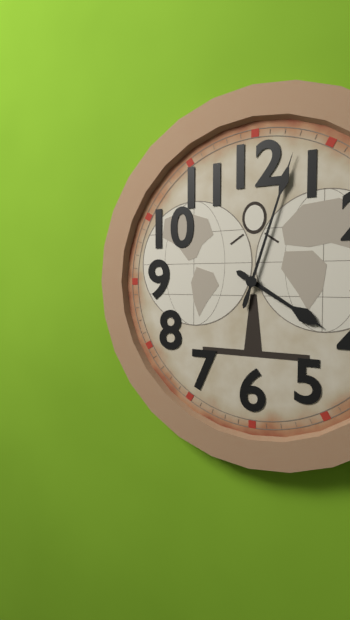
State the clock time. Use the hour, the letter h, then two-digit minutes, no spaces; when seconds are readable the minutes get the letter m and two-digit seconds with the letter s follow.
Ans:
4h03
